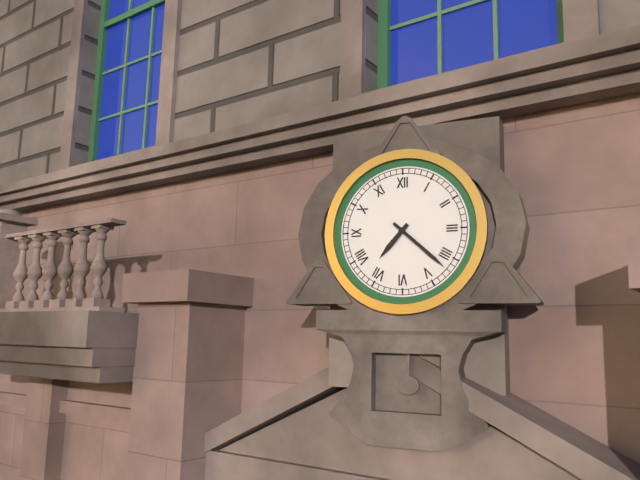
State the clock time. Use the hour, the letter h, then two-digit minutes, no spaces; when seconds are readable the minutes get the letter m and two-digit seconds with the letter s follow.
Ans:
7h22
